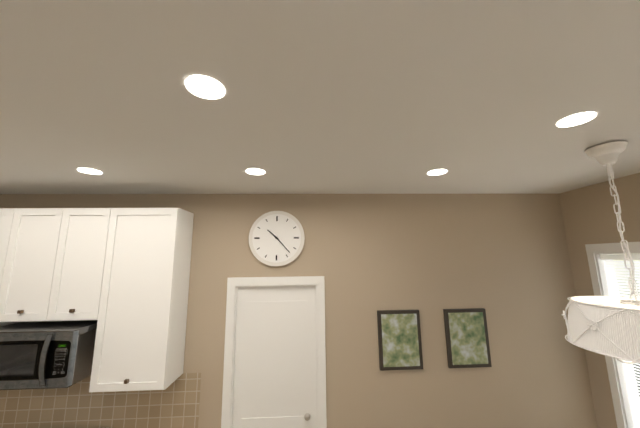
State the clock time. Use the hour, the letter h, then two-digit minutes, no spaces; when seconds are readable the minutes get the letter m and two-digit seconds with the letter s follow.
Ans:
10h23
